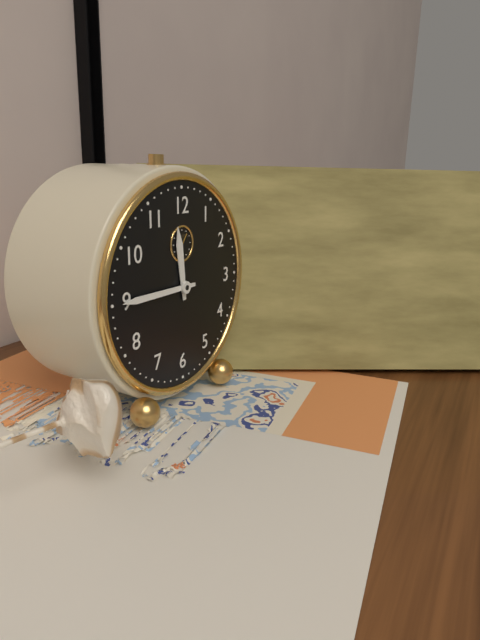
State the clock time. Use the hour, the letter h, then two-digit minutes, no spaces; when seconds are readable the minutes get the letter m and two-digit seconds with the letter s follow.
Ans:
11h45
